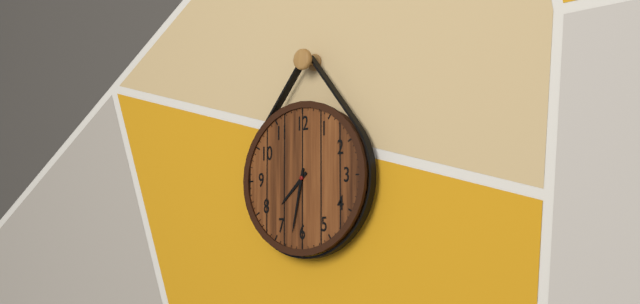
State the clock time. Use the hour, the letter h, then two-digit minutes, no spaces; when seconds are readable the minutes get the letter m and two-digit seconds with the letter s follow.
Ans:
7h32
